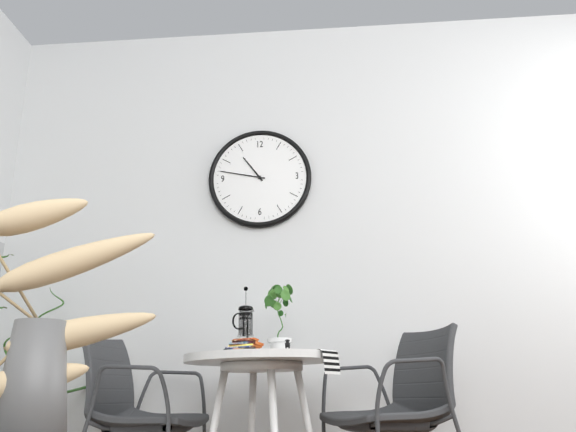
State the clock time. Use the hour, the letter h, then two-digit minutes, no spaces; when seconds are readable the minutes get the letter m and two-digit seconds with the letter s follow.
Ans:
10h47
